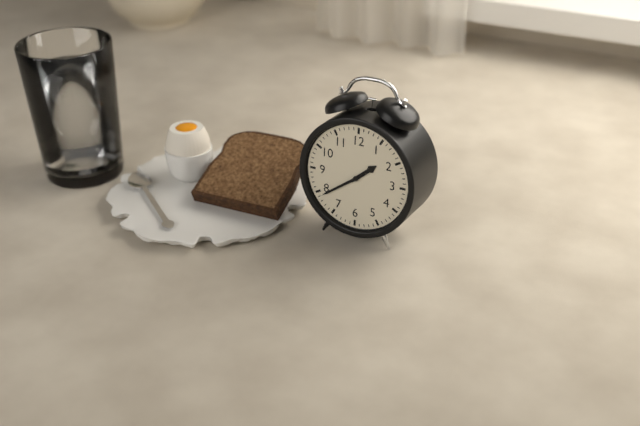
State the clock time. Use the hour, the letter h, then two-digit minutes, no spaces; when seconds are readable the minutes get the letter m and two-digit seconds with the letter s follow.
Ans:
1h39
